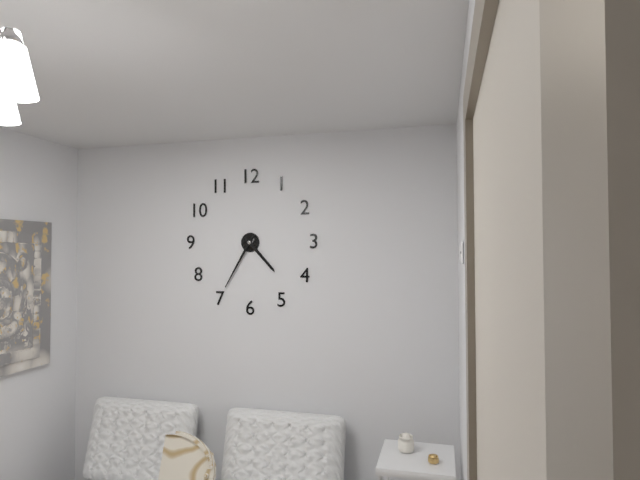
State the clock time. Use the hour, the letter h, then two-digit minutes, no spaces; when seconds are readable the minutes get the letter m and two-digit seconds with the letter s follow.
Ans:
4h35
